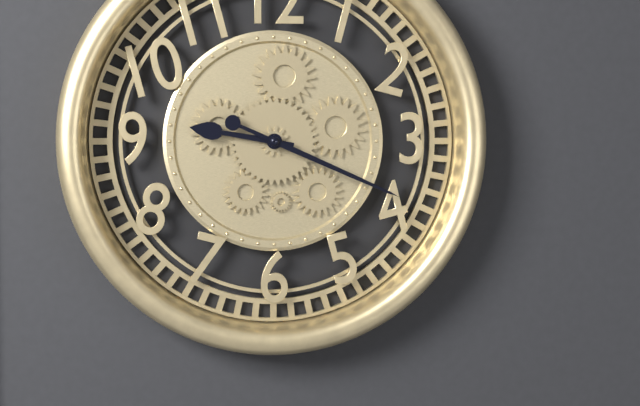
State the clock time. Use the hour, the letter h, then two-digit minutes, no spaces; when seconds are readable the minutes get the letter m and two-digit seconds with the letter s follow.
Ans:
9h19
